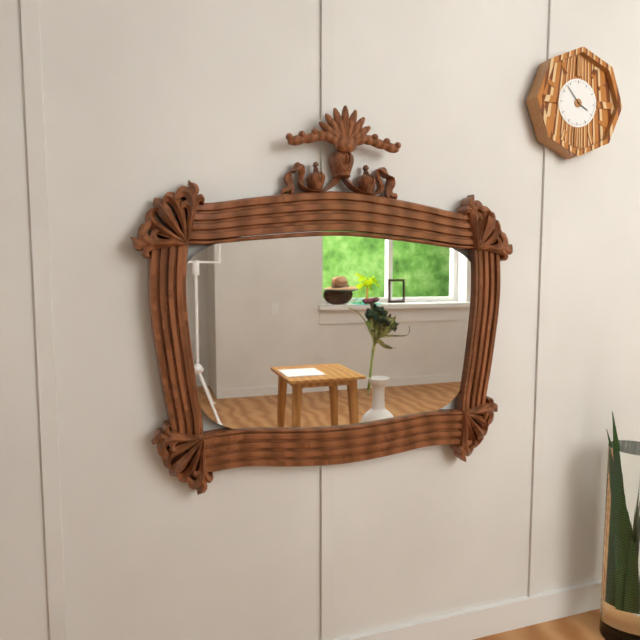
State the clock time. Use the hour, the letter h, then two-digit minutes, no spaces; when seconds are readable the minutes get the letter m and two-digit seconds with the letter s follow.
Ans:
3h53
